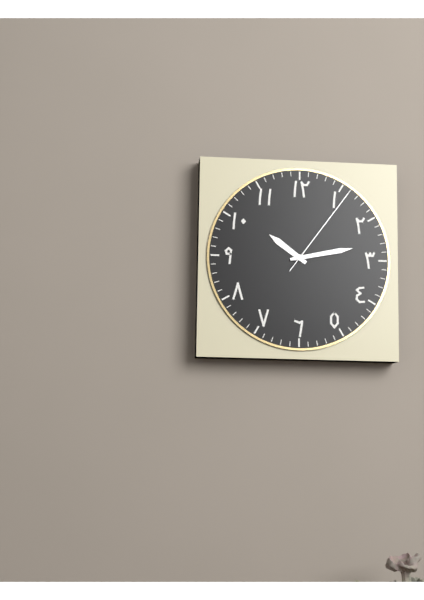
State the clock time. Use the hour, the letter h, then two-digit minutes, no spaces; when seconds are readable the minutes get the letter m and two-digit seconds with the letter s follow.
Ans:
10h13m06s
